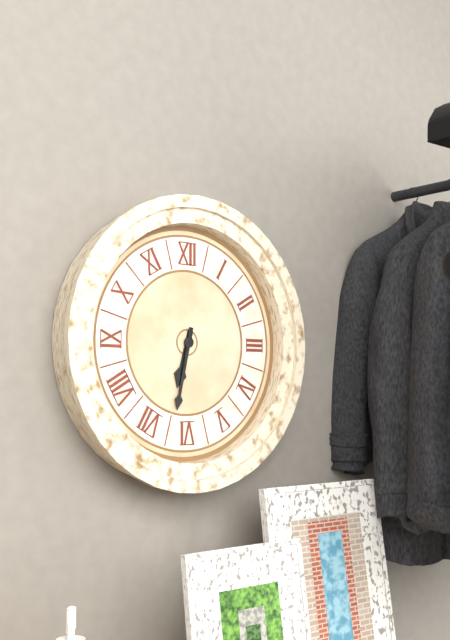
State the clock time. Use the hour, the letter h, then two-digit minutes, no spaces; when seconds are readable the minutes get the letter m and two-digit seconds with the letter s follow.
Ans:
6h32
